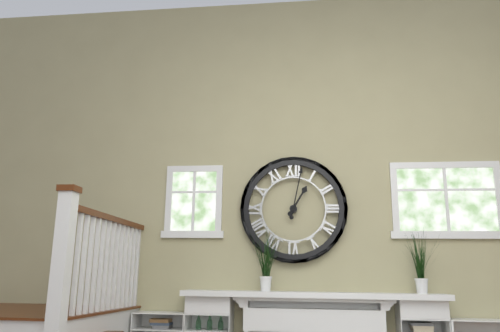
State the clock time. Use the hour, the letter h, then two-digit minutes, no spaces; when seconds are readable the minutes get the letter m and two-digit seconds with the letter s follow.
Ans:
1h02
